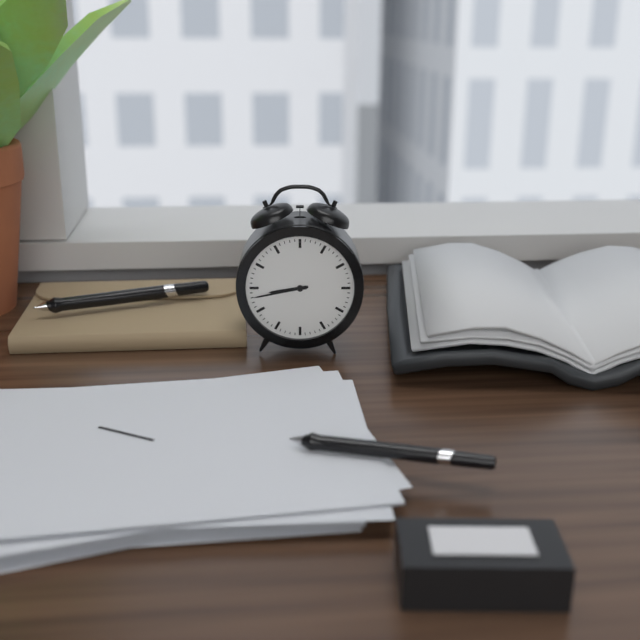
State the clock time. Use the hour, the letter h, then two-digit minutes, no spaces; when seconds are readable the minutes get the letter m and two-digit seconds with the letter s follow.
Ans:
8h43
